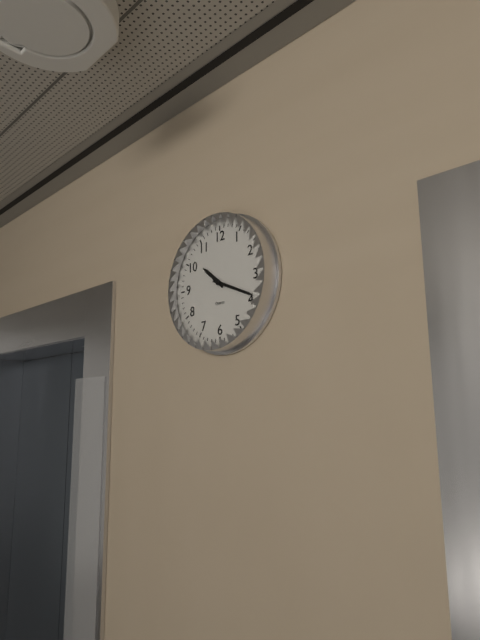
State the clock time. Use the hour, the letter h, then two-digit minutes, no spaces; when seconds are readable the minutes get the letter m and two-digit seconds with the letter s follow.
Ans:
10h19
